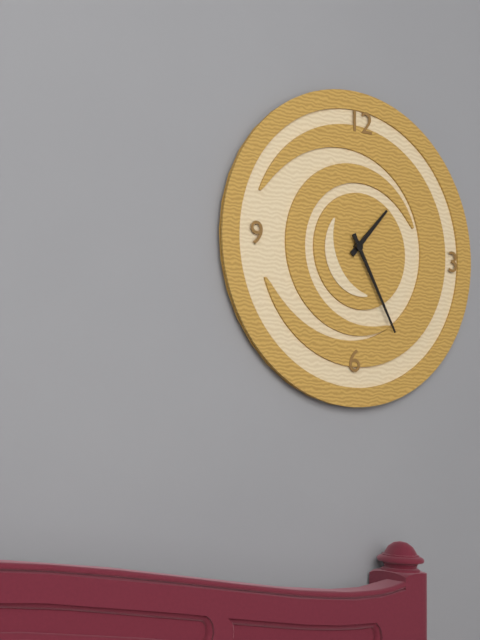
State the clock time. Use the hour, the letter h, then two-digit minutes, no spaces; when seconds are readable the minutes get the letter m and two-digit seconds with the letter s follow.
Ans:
1h25
